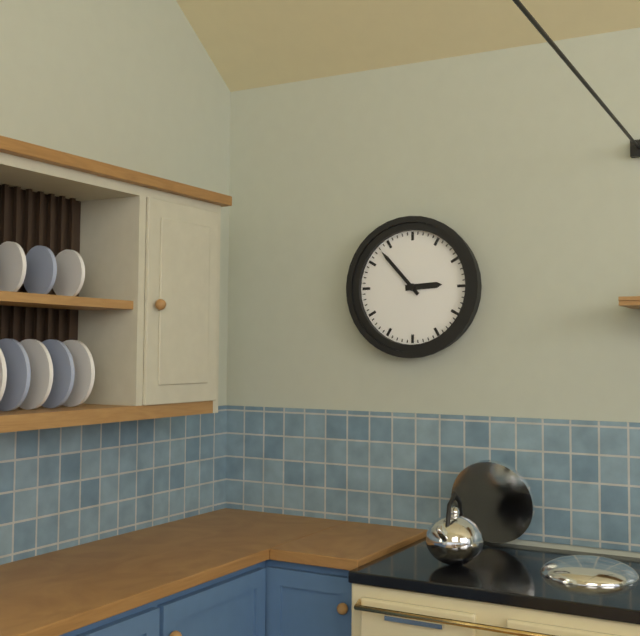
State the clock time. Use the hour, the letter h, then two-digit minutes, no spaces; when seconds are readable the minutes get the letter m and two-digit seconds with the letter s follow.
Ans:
2h53
